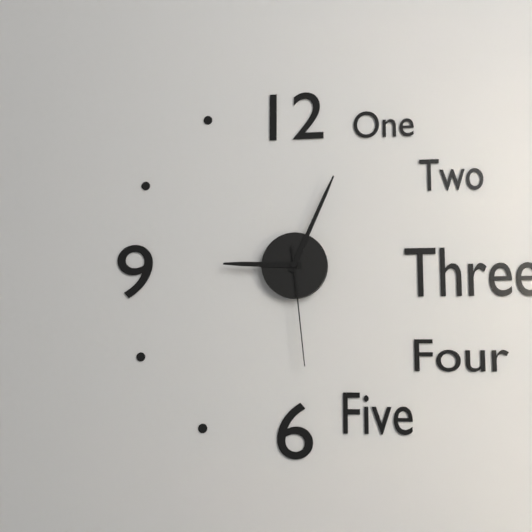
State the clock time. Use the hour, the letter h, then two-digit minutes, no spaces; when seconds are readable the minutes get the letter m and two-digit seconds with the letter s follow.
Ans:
9h04m29s
